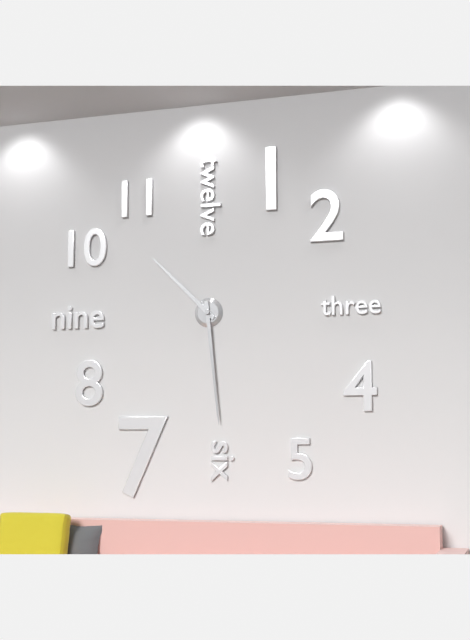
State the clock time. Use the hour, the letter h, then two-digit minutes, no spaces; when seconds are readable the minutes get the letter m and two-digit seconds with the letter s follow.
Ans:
10h29
